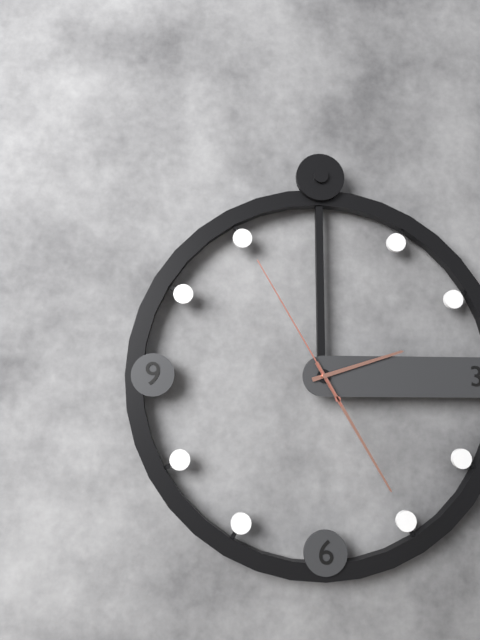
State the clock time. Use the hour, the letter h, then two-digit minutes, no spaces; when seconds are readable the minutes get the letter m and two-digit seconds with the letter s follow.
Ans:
2h25m55s
